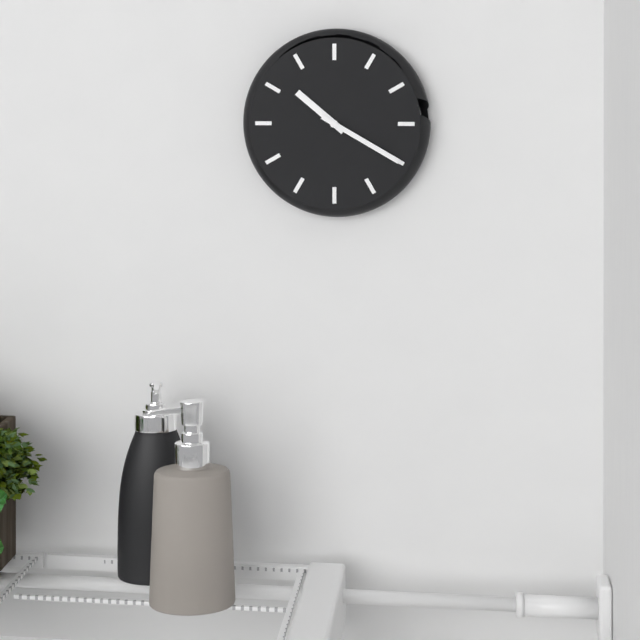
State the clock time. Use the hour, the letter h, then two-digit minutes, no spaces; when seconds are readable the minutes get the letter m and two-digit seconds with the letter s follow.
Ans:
10h20
